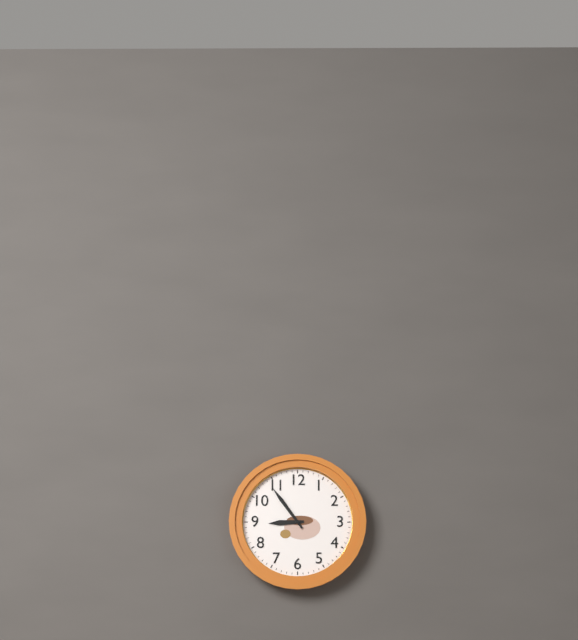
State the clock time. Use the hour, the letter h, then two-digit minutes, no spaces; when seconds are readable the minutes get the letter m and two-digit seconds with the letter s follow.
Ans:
8h54
